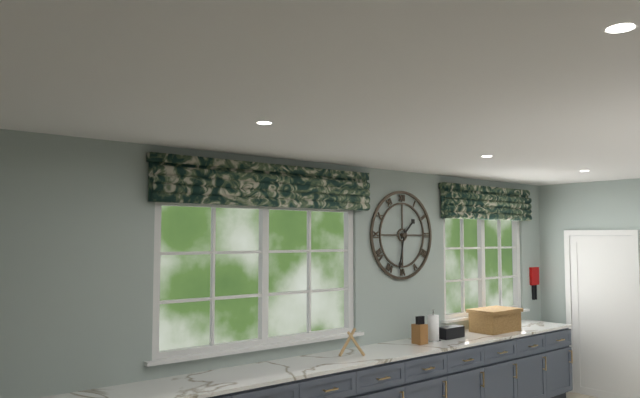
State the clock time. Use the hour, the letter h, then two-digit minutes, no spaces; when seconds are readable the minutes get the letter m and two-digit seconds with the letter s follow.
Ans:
1h32
